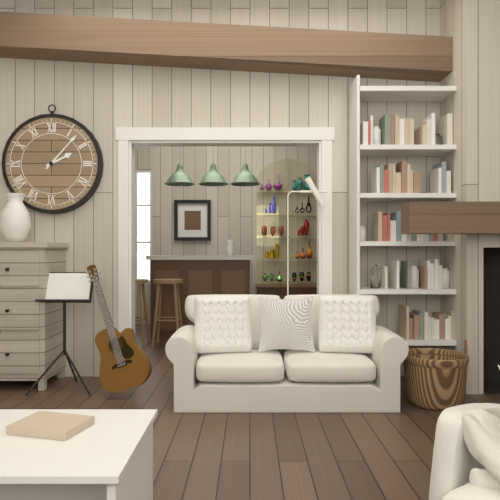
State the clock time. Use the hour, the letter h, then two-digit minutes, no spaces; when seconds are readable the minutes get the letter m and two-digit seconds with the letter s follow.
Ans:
2h07
